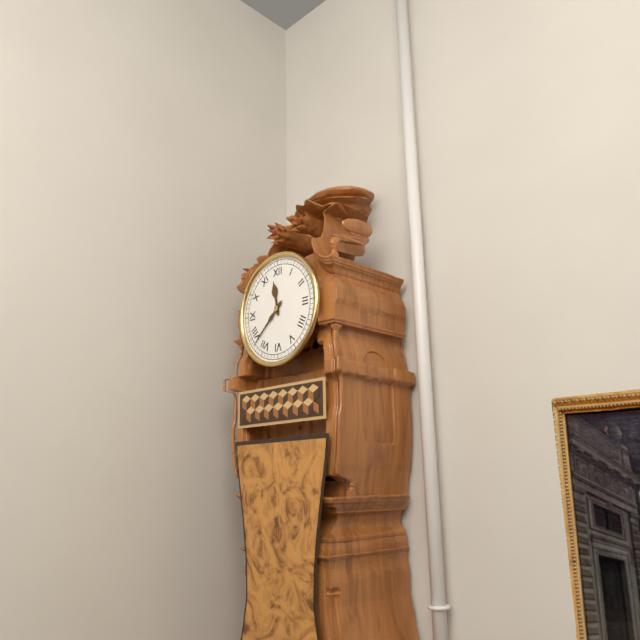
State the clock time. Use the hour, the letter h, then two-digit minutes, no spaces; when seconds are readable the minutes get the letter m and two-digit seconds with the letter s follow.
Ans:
11h38
